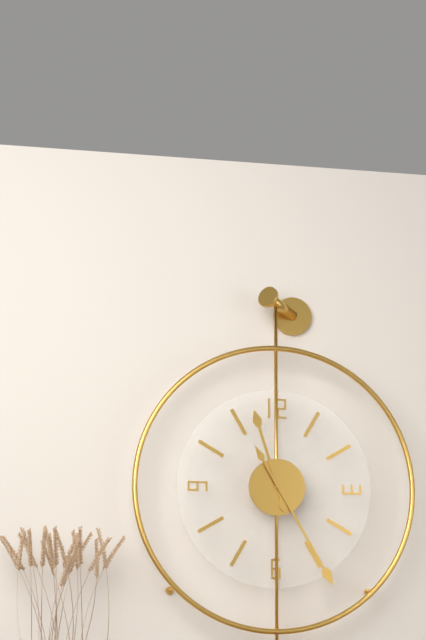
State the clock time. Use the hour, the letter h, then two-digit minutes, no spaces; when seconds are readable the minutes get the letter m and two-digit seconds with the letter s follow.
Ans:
11h25
